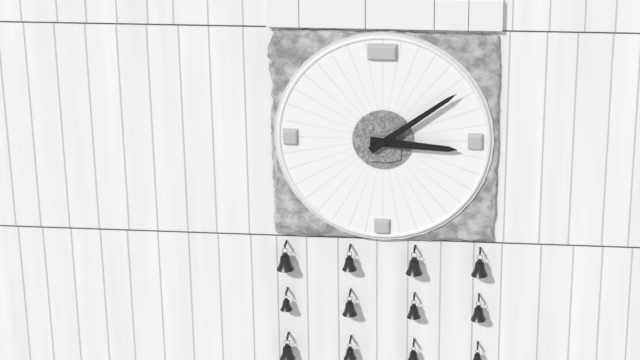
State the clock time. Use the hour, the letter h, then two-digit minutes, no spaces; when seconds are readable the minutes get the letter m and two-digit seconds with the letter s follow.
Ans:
3h09
